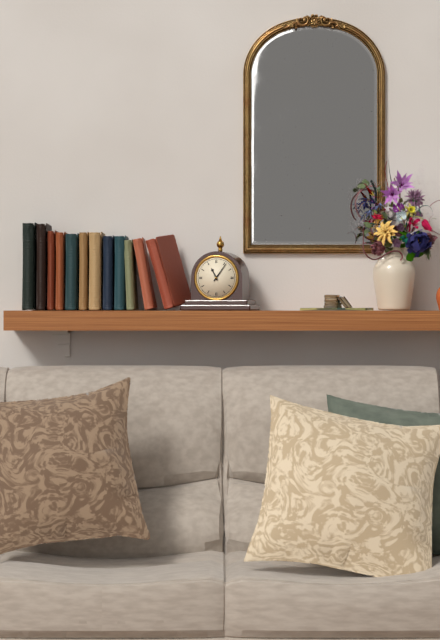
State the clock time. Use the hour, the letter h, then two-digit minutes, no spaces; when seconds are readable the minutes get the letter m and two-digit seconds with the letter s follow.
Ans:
11h06
